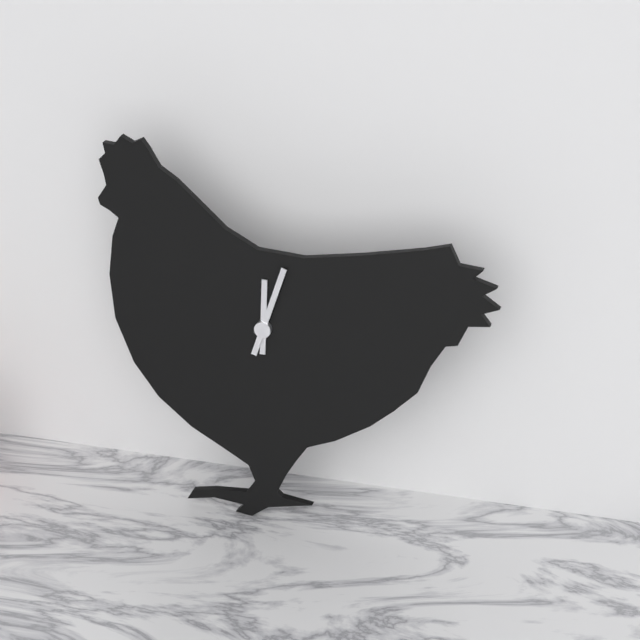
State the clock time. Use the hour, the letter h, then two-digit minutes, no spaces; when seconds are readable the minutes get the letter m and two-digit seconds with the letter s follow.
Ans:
12h03
